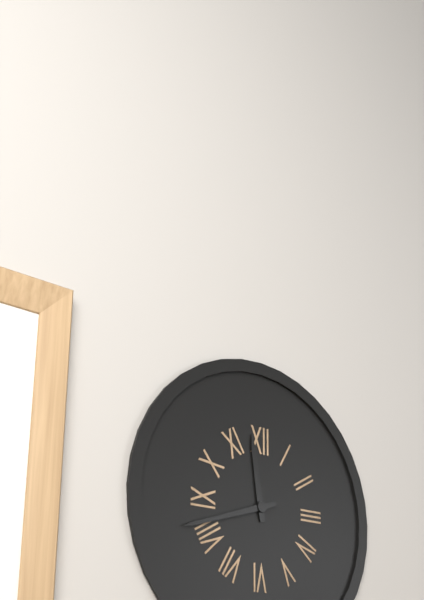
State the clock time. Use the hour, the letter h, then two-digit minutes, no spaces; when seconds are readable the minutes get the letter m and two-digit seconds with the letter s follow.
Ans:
11h42
